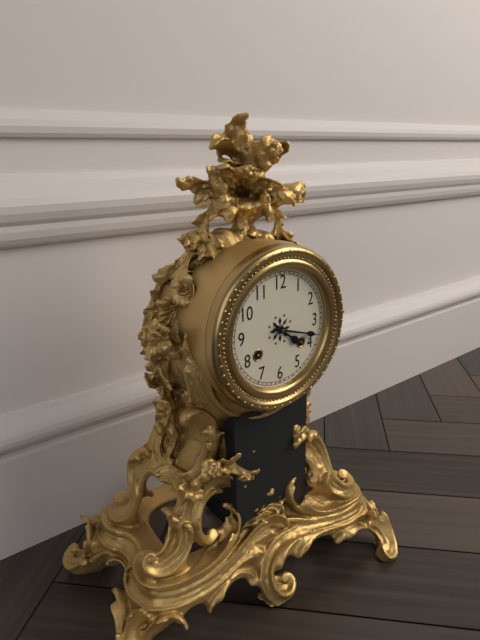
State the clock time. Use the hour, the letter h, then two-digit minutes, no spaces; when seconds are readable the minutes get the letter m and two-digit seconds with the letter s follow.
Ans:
4h18
